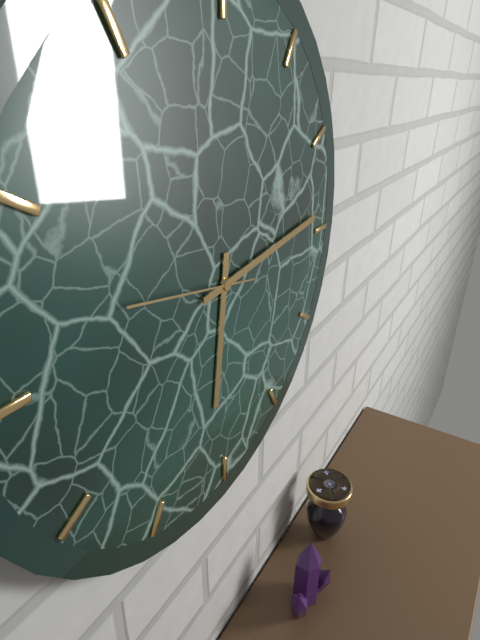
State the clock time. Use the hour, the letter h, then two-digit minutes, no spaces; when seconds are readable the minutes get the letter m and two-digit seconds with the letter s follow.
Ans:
6h14m47s
